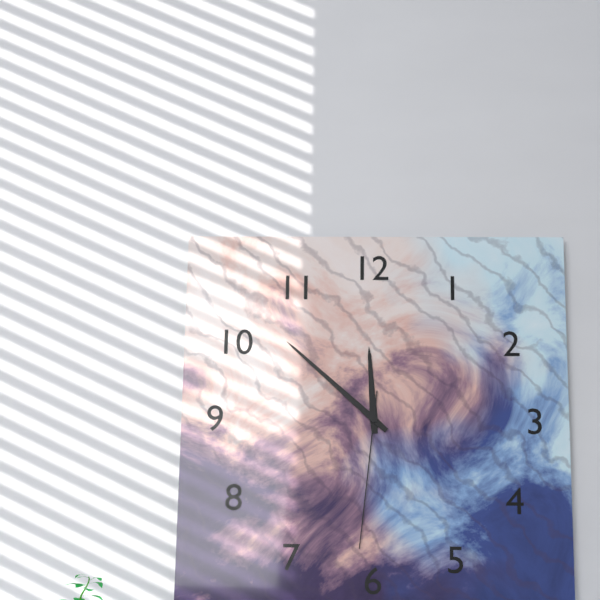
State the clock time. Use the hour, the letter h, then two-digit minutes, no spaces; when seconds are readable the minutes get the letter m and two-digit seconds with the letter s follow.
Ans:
11h52m31s
